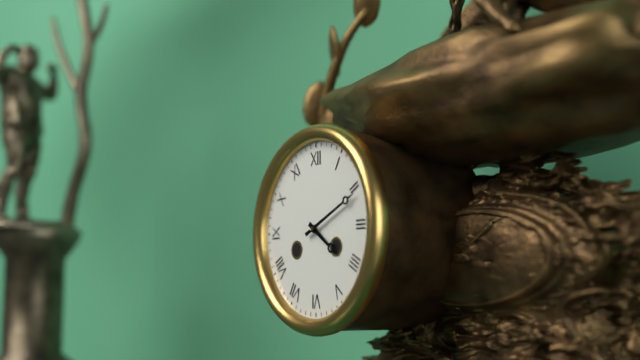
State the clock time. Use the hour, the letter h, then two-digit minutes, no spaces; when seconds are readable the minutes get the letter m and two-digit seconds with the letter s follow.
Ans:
4h11
